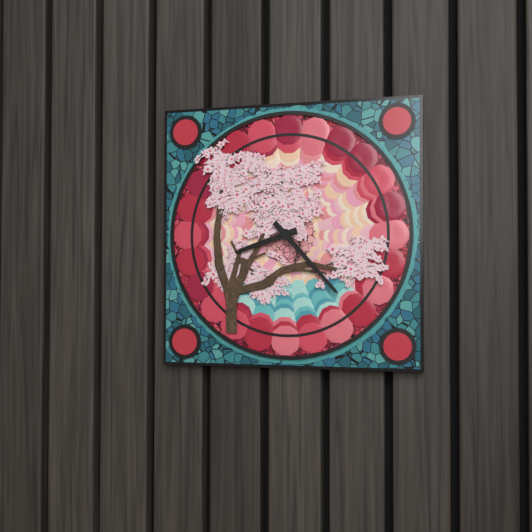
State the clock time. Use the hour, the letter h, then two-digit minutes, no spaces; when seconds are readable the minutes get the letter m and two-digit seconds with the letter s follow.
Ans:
8h23
